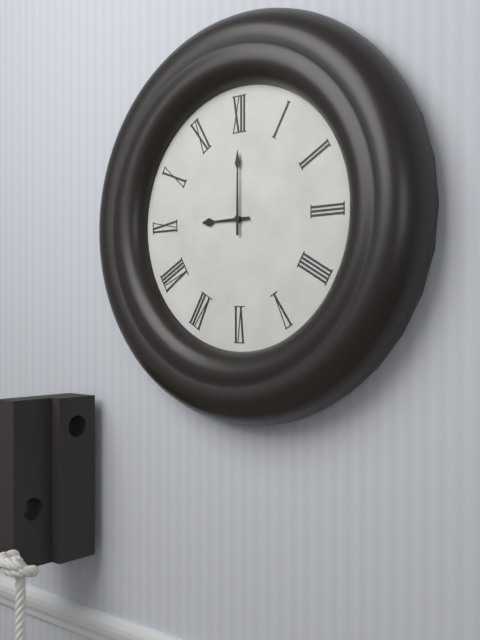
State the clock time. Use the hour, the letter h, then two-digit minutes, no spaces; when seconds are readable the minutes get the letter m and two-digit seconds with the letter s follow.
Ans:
9h00
